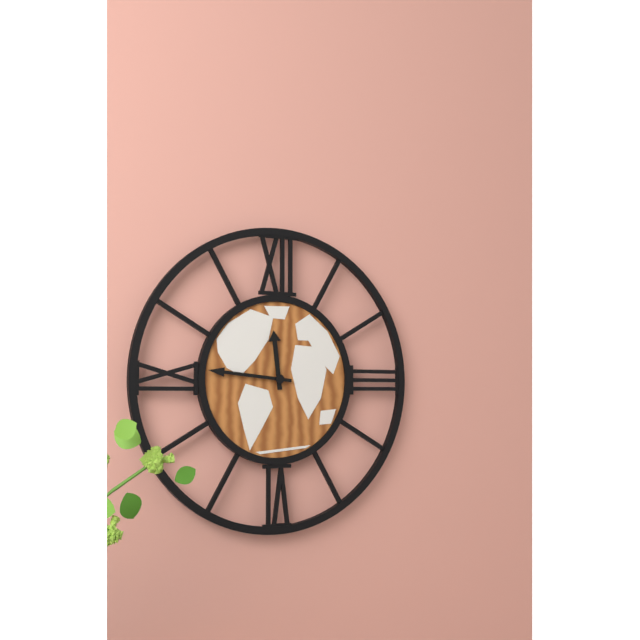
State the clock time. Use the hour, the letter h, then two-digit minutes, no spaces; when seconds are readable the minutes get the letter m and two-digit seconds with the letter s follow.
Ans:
11h46
